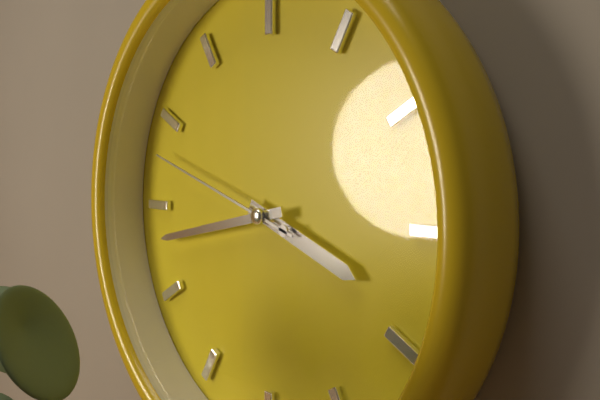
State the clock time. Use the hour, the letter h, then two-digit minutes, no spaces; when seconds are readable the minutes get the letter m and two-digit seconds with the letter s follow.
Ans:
3h43m48s
